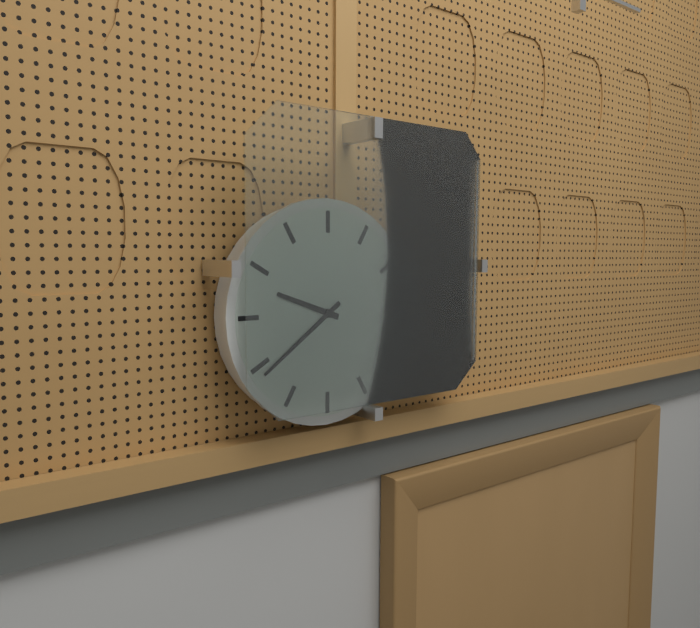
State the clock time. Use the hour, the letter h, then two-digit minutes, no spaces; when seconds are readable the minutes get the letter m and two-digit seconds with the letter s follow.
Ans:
9h39
